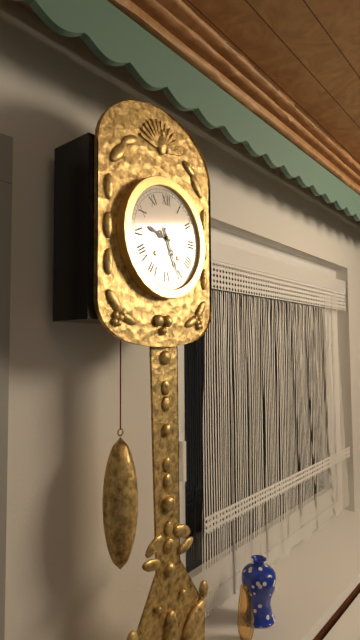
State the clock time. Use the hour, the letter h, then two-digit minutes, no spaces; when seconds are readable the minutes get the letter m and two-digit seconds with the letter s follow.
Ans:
9h26
